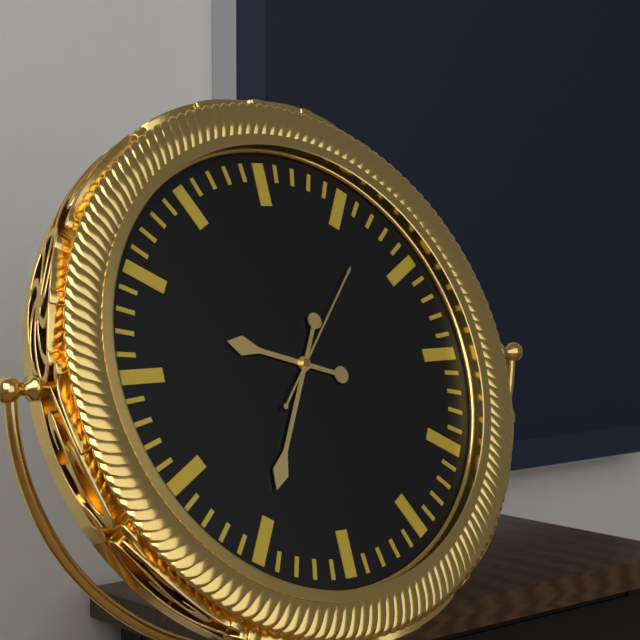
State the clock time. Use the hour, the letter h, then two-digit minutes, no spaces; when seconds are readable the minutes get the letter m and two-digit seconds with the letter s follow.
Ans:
9h35m07s
